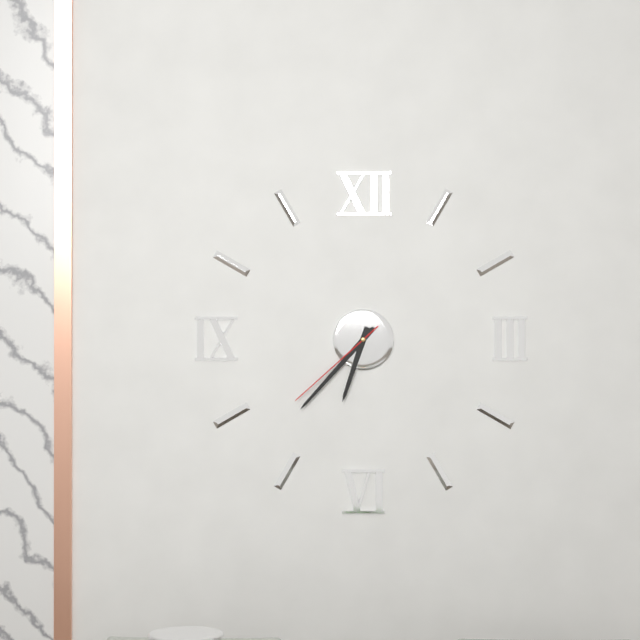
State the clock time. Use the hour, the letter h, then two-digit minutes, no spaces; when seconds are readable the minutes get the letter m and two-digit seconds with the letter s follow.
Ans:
6h37m38s
